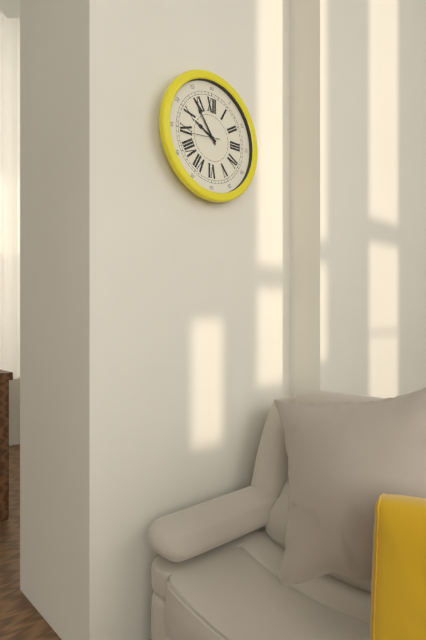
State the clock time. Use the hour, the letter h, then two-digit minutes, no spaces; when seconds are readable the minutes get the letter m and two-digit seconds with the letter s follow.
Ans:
9h54
